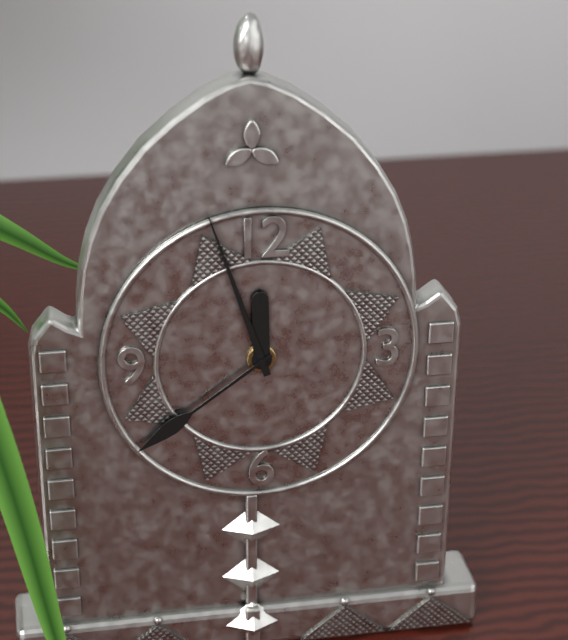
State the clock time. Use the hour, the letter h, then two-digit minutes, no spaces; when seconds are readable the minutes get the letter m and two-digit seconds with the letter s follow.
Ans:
11h57m39s
